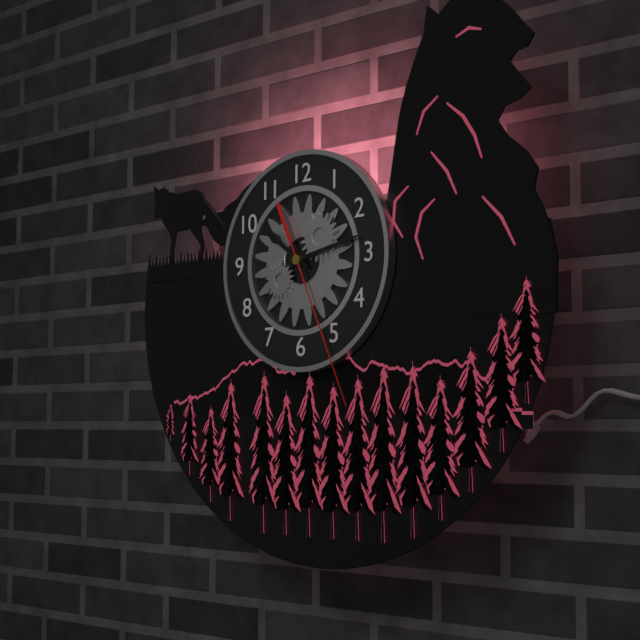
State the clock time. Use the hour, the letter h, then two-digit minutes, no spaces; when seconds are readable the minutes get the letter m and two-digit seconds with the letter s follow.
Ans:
10h13m26s
